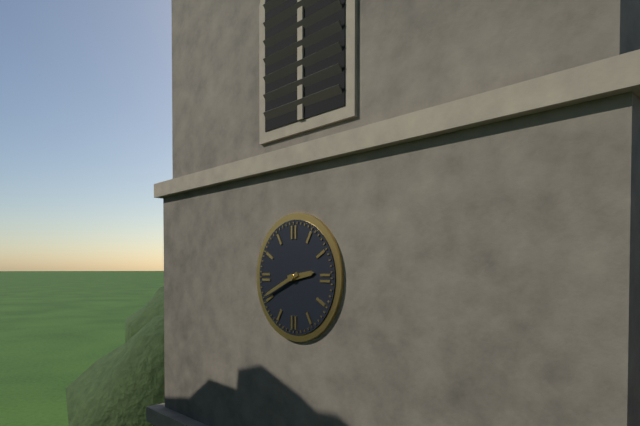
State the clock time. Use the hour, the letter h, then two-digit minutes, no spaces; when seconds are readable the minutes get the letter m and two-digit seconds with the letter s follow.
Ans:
2h41
